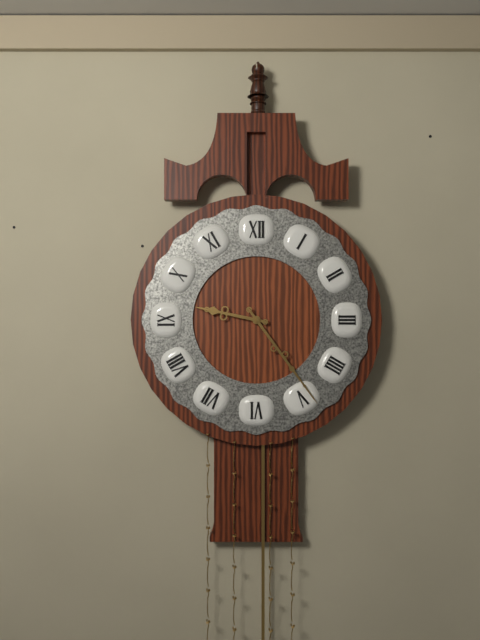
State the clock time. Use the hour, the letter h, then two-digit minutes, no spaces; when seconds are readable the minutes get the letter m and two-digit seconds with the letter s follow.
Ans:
9h24
